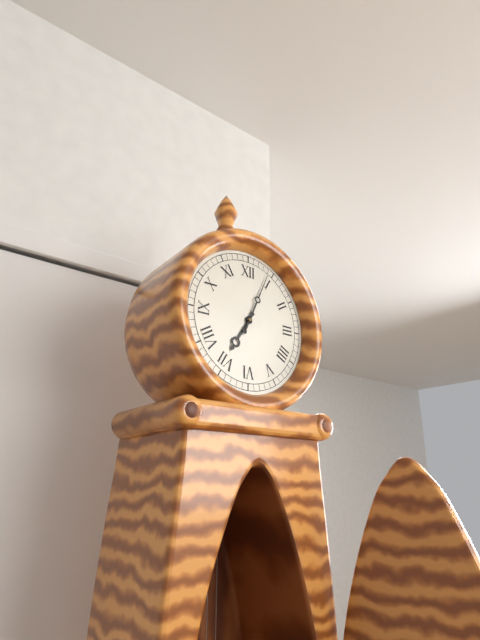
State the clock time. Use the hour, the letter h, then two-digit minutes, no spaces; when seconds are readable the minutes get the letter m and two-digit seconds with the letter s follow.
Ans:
7h04
